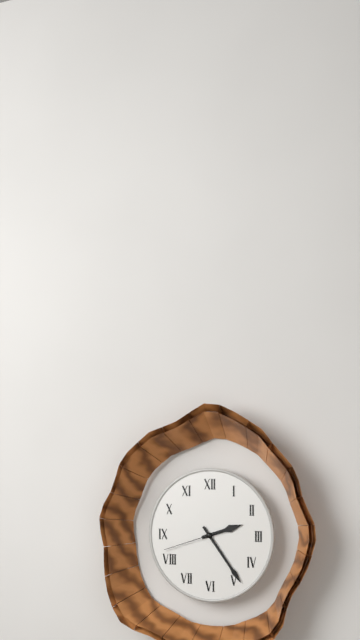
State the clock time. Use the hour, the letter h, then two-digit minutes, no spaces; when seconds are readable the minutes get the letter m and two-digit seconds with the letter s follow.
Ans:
2h24m42s
